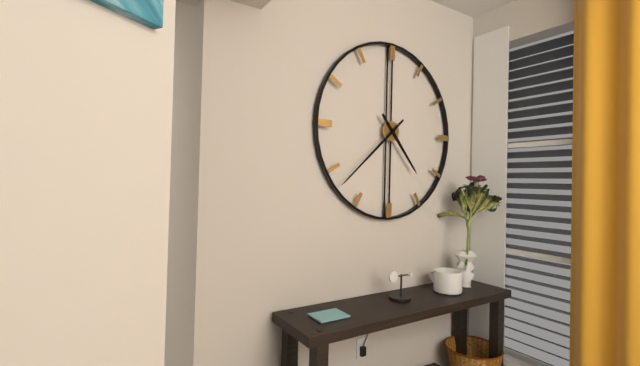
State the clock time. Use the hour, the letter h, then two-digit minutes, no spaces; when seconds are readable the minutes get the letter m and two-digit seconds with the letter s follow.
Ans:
4h38
